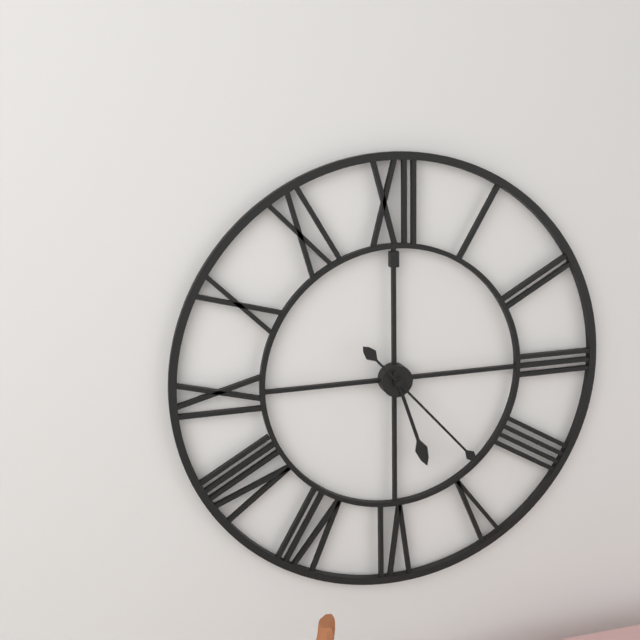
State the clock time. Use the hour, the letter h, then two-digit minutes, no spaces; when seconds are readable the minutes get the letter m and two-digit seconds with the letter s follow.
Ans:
5h23
